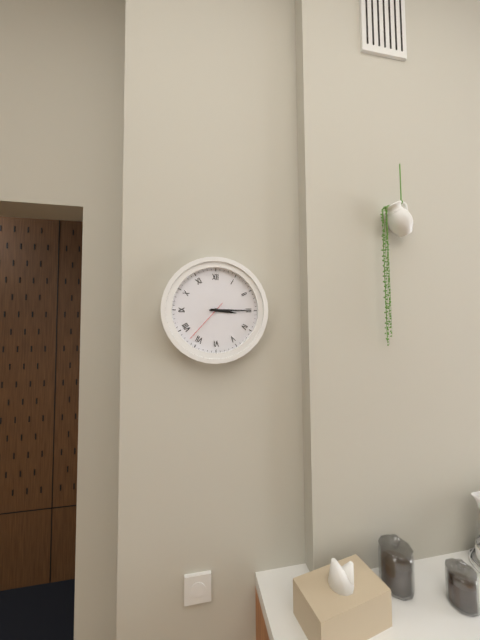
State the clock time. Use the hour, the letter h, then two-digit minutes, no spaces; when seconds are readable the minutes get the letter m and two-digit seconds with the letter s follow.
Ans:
3h15
